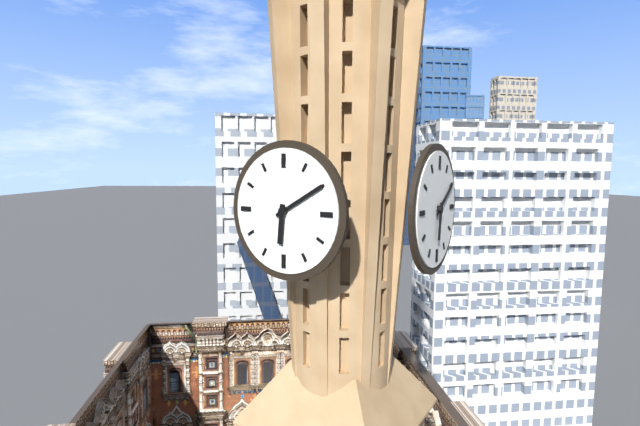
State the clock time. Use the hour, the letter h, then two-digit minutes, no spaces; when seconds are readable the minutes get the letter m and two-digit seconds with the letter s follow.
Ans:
6h10
